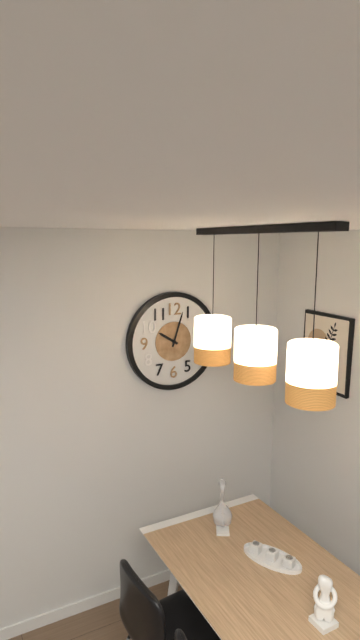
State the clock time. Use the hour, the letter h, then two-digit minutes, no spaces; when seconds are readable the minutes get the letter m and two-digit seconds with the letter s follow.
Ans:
10h03
